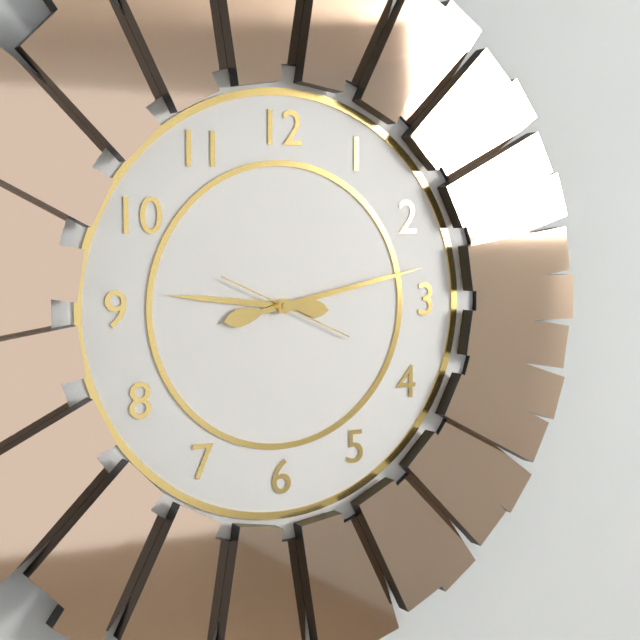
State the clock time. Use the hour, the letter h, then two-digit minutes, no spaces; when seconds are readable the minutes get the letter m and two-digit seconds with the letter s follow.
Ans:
9h13m19s
